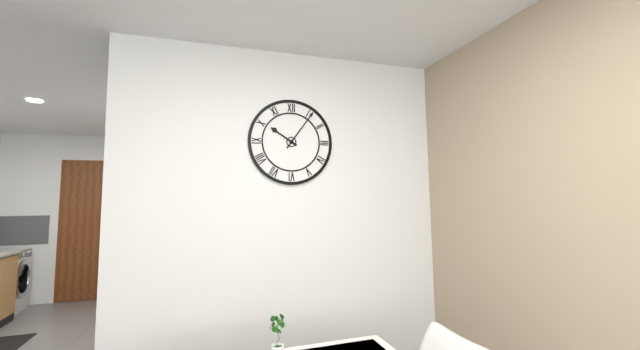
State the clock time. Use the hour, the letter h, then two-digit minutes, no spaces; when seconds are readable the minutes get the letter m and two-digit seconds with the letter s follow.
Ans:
10h06
